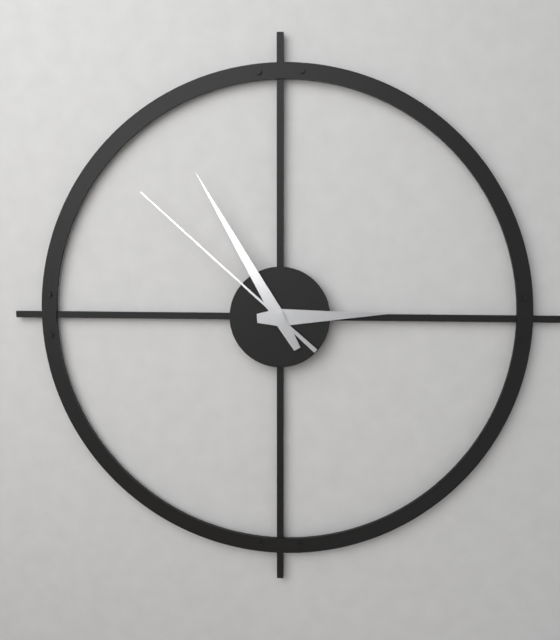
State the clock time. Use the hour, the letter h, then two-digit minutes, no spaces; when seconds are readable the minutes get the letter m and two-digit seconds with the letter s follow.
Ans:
2h55m52s
